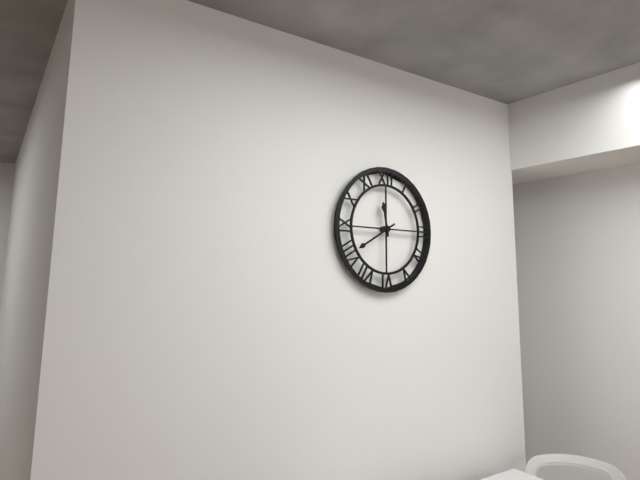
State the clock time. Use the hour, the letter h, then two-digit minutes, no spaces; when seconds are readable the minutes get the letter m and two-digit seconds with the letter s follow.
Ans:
11h40
